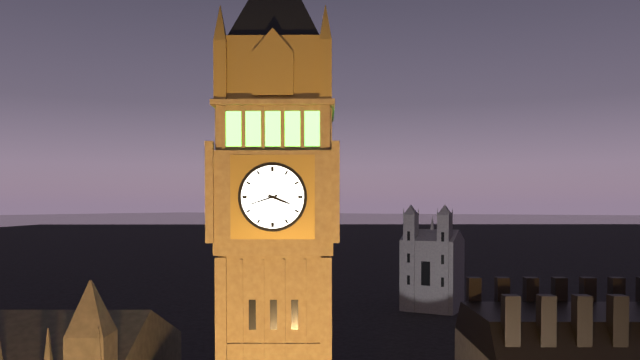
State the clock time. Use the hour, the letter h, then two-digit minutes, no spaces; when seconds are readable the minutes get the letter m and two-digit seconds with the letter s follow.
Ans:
3h42
